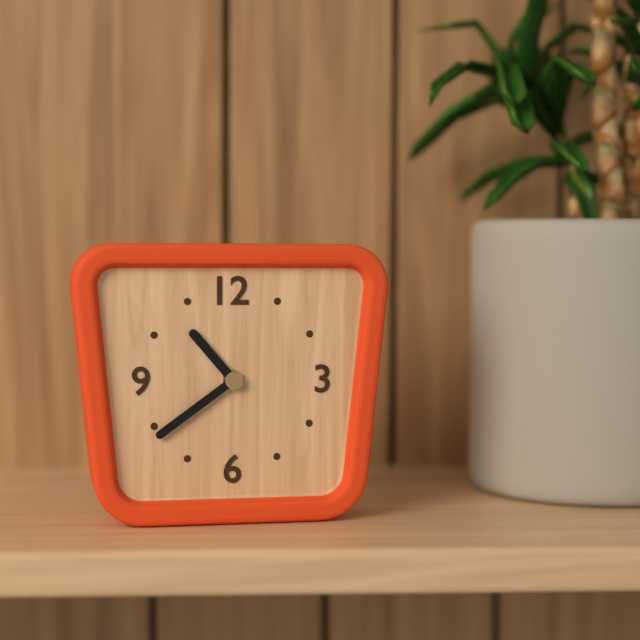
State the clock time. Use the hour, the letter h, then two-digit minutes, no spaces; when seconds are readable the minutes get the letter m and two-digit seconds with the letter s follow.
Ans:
10h39
